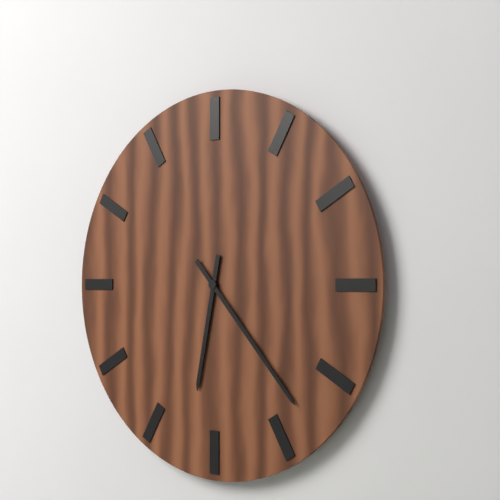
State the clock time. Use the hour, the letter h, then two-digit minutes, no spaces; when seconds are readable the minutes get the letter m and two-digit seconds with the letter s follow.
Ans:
6h23
